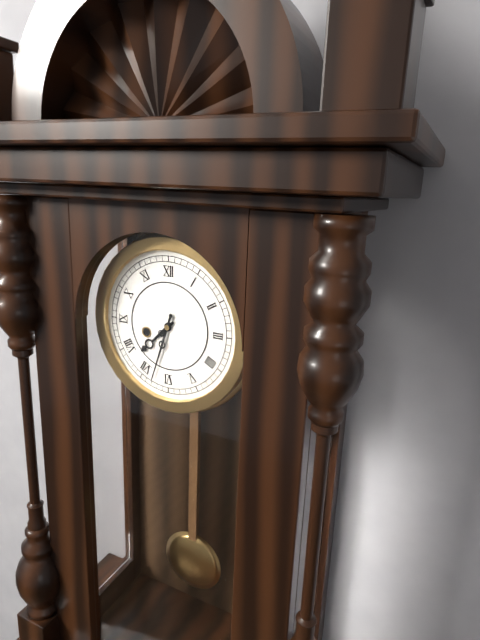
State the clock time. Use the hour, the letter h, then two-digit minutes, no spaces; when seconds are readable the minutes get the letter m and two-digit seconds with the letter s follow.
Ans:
7h33
